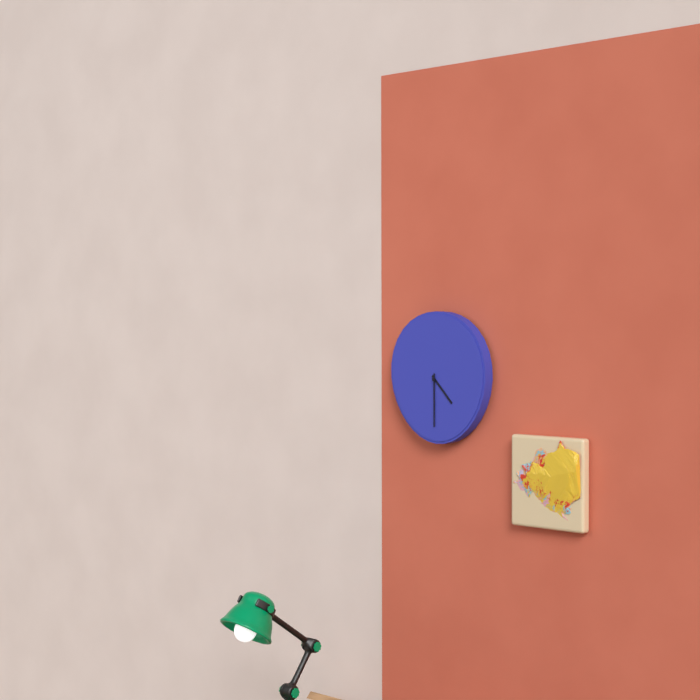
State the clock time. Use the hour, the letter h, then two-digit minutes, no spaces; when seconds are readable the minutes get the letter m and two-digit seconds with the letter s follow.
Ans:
4h30
